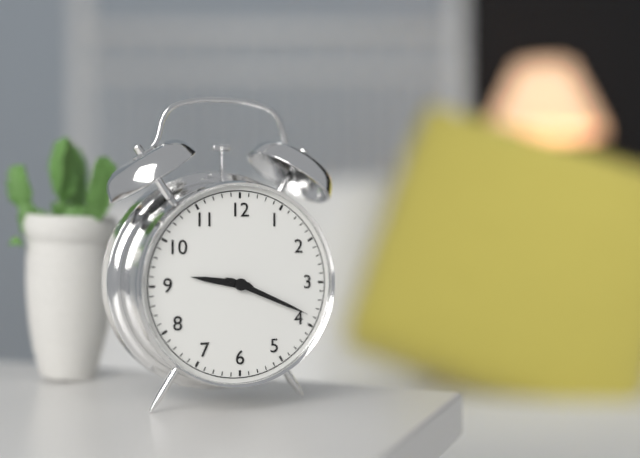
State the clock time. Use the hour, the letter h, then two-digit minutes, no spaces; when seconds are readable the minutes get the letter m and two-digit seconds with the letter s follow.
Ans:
9h19
